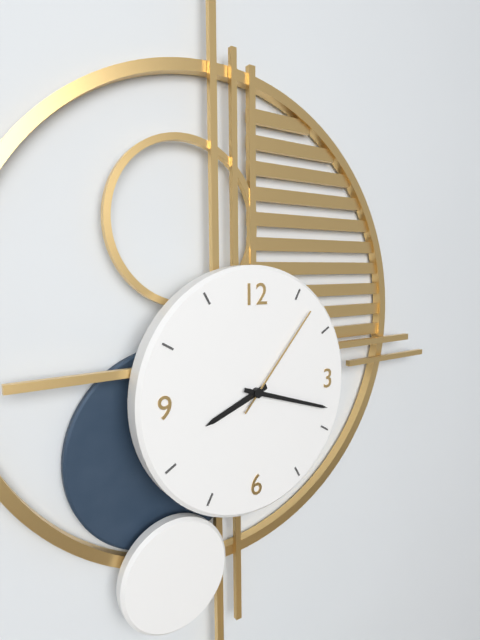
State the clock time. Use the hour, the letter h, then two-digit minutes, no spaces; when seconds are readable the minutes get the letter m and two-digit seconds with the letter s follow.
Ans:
8h18m07s
